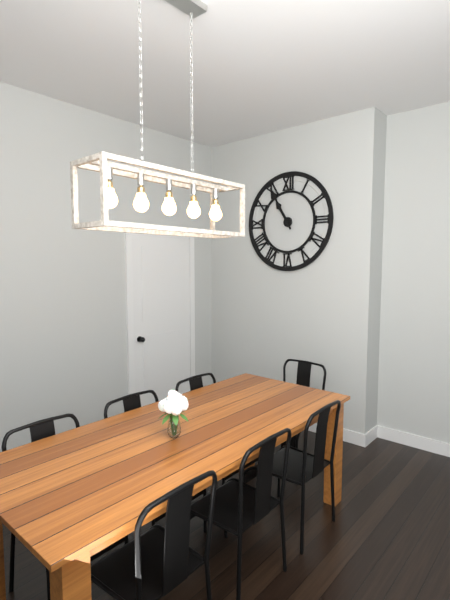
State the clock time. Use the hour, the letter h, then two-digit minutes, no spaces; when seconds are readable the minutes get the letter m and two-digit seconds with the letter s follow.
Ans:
10h55
